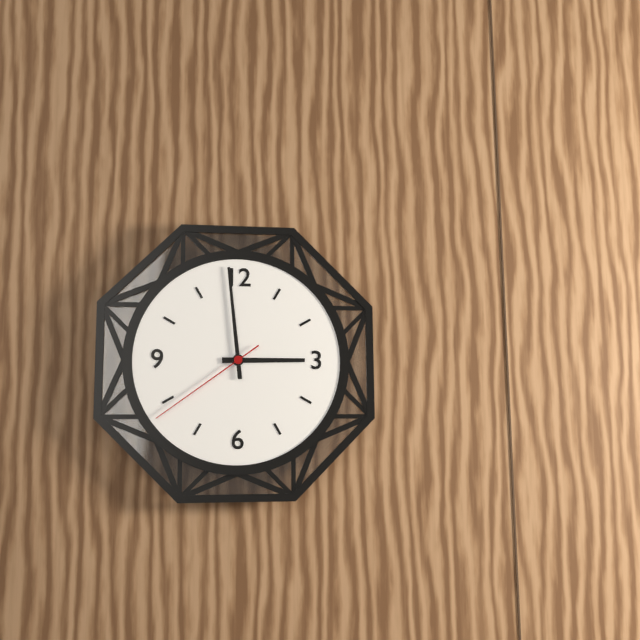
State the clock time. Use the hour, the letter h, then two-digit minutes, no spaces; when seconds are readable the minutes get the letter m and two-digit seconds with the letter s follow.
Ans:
2h59m39s
